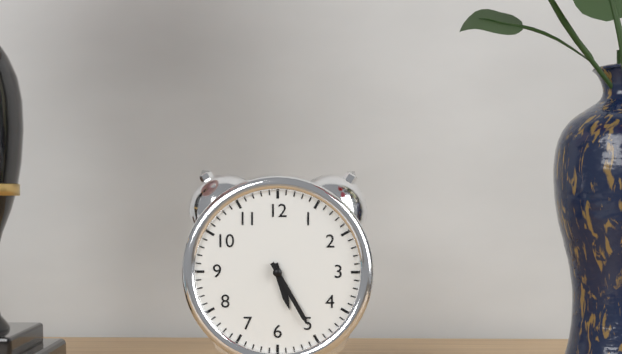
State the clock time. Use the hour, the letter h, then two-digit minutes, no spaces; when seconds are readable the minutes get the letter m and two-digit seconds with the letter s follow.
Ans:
5h25
